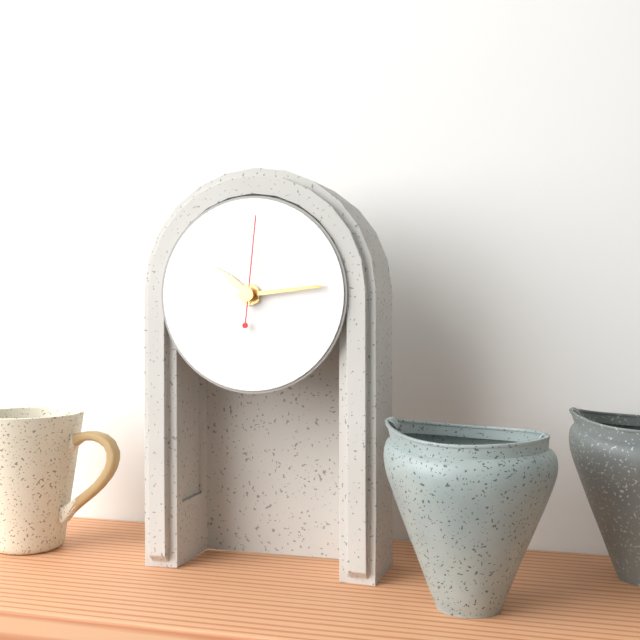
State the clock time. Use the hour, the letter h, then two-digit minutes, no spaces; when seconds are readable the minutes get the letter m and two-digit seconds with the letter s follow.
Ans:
10h14m01s
